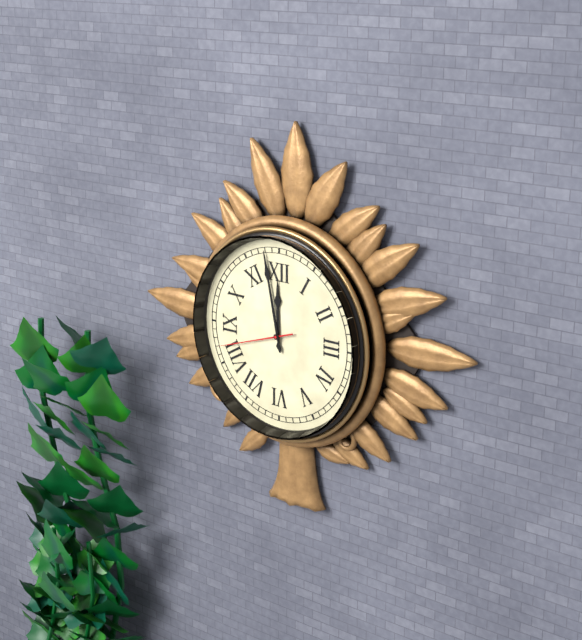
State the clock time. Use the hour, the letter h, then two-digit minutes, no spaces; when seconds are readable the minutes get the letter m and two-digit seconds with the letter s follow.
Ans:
11h58m42s
